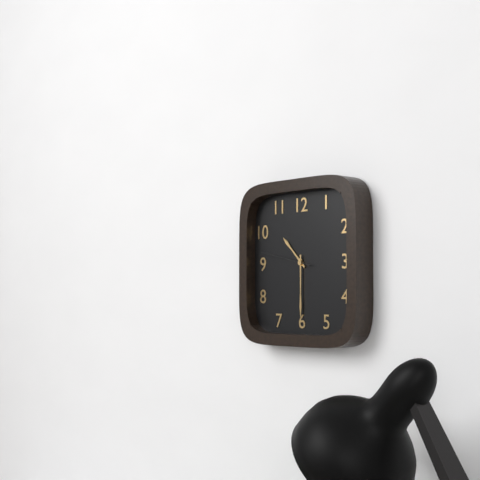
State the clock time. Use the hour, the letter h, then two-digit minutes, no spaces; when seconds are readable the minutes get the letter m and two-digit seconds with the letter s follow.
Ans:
10h30
